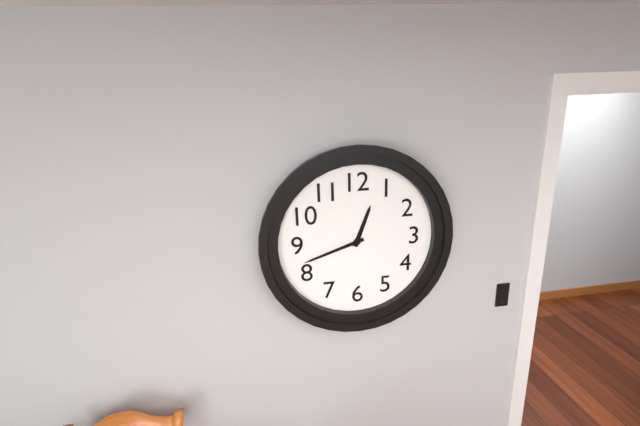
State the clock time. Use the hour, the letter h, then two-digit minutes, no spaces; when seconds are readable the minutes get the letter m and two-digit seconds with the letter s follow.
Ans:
12h42
